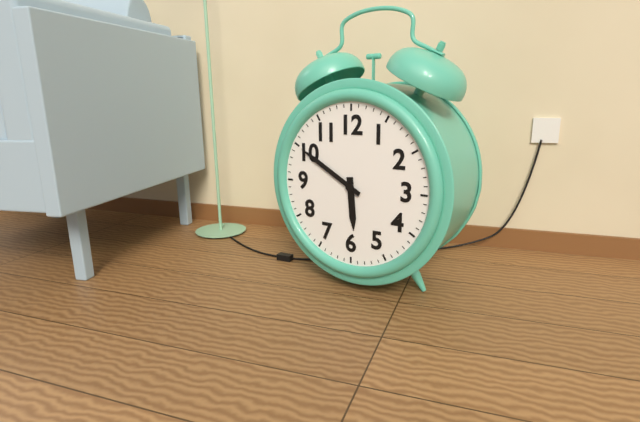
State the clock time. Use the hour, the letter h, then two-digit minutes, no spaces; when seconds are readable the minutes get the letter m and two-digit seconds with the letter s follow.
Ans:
5h50
